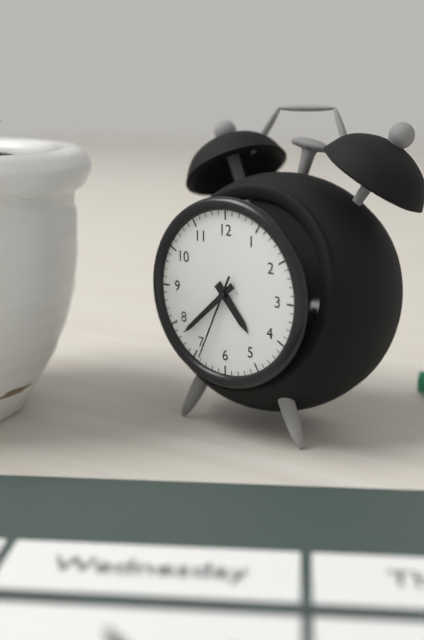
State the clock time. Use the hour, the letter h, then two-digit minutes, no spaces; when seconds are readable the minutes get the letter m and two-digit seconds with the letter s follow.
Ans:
4h38m34s
